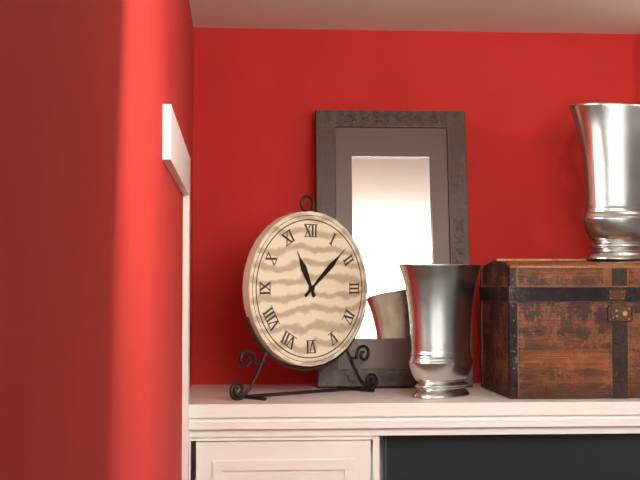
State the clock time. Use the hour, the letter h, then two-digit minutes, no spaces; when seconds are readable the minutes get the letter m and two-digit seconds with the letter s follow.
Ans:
11h08
